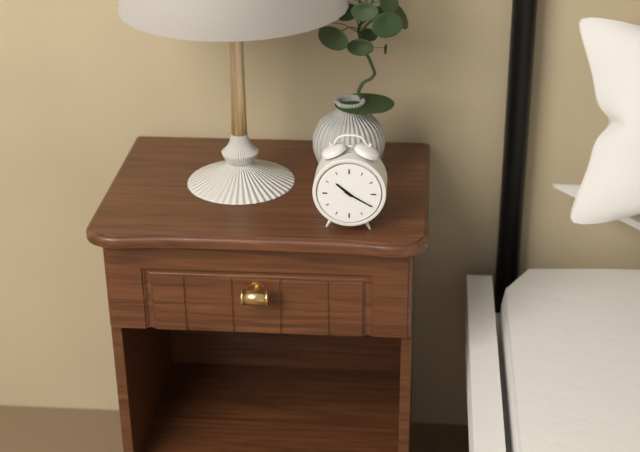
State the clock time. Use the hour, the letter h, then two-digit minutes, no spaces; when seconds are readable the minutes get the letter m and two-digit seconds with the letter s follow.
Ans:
10h20
